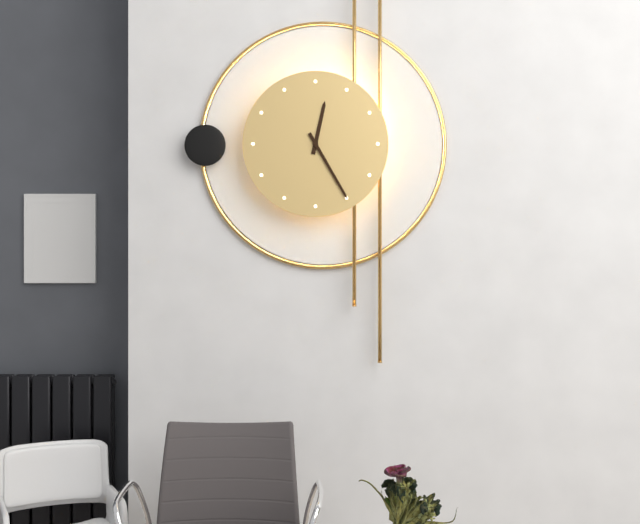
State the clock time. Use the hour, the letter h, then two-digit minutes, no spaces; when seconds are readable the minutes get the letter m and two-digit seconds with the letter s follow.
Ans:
12h25
